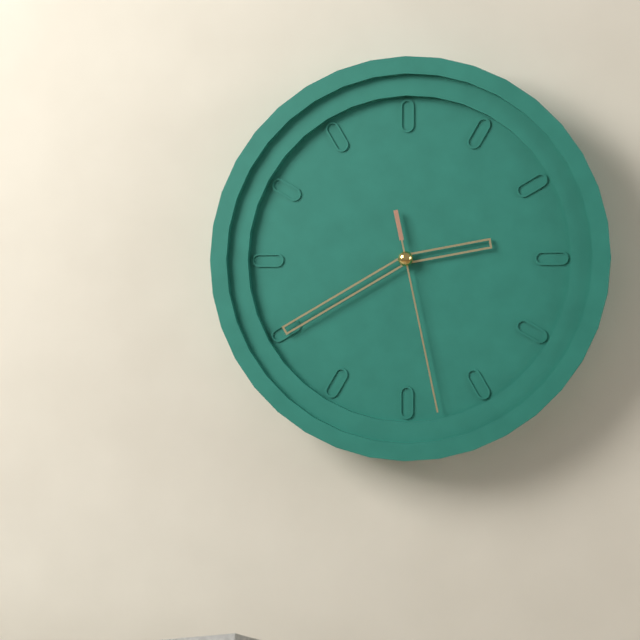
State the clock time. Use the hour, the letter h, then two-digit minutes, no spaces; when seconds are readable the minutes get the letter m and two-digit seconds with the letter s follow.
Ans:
2h40m28s
